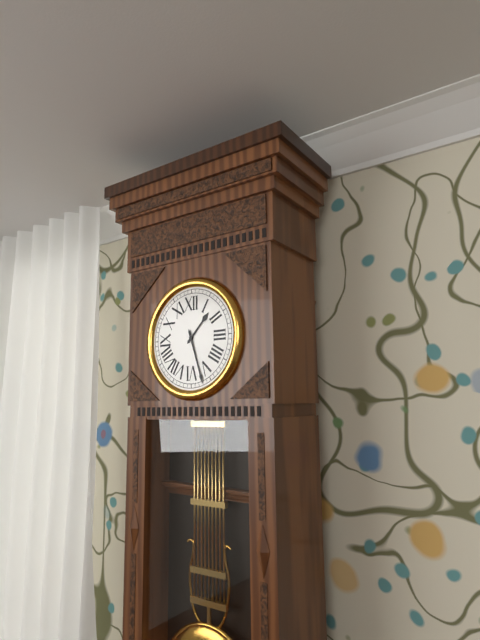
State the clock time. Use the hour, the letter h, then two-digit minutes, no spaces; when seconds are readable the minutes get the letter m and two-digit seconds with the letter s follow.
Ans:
1h27
